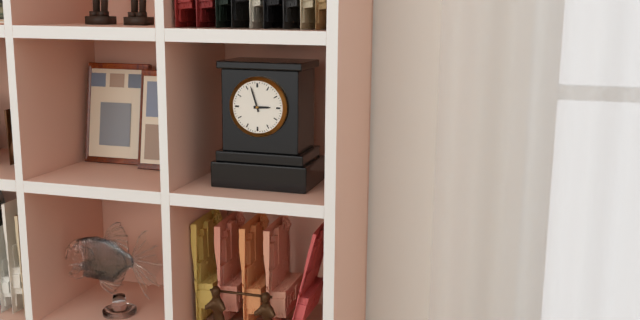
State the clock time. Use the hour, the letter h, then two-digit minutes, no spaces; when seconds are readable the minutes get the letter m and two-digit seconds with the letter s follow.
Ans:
2h57
